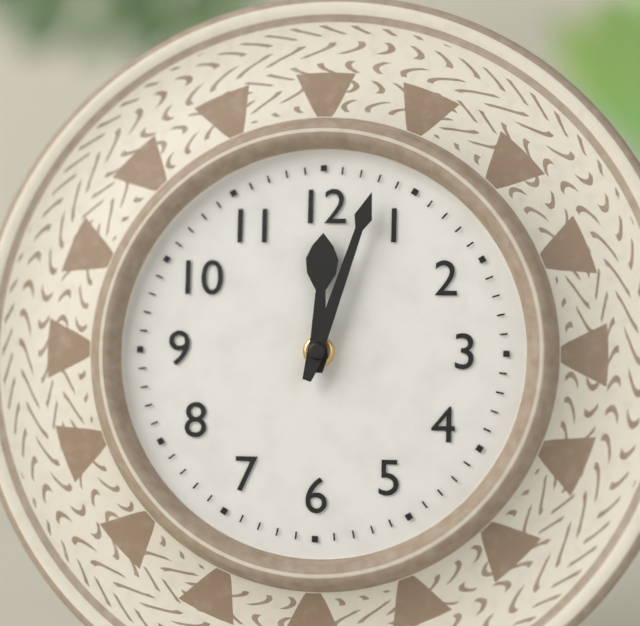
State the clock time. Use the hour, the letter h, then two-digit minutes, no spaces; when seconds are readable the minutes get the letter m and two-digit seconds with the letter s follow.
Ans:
12h03
